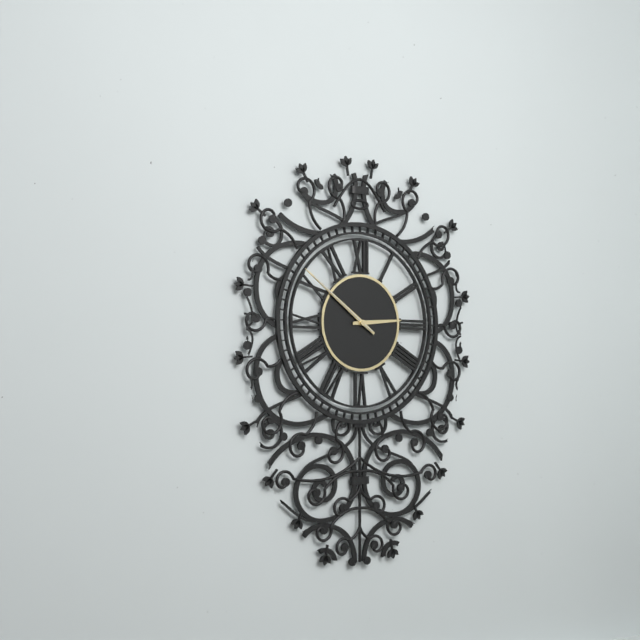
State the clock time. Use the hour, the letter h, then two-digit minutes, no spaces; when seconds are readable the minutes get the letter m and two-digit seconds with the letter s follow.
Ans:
2h51m51s
